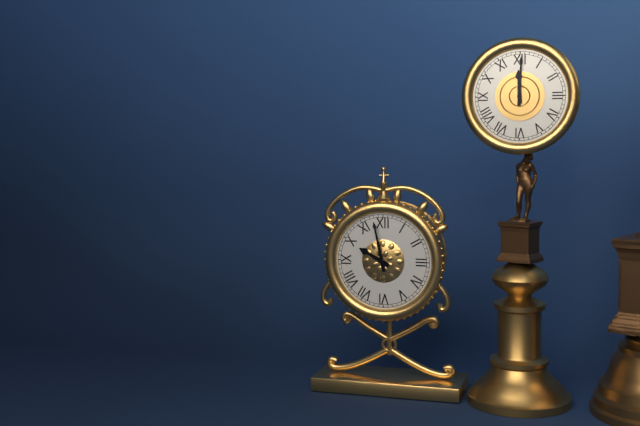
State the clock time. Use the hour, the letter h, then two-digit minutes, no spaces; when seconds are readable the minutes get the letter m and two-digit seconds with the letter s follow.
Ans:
9h58
